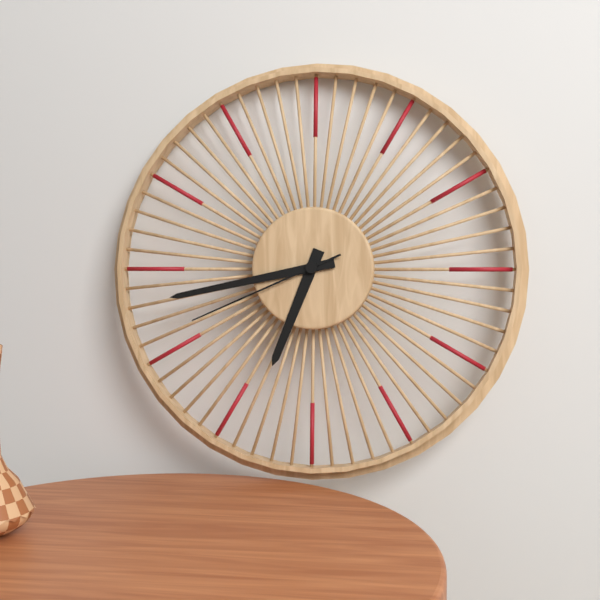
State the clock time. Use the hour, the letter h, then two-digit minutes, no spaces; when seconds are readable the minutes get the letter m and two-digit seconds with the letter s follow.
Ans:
6h43m41s
